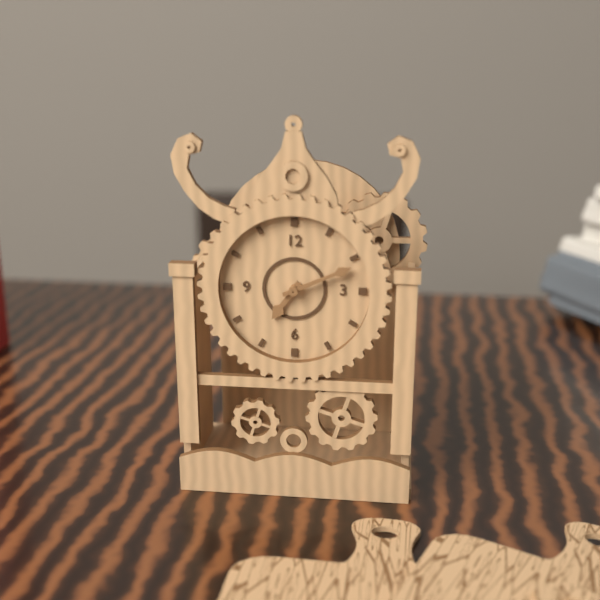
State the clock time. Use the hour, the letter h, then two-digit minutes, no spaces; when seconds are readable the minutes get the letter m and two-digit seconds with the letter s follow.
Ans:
7h11
